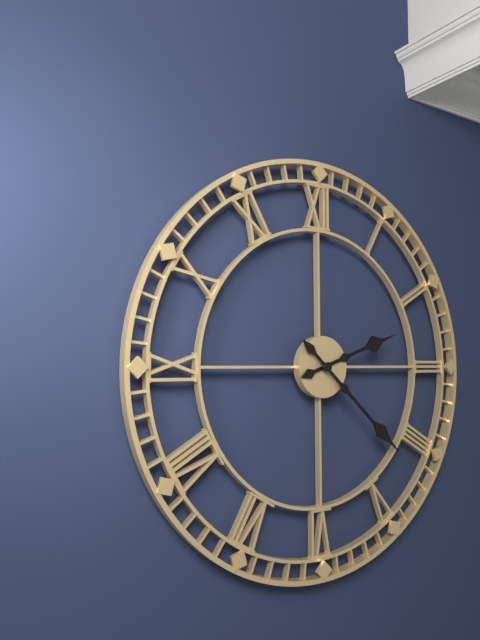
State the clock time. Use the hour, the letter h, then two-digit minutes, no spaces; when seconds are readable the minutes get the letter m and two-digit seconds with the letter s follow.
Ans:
2h22
